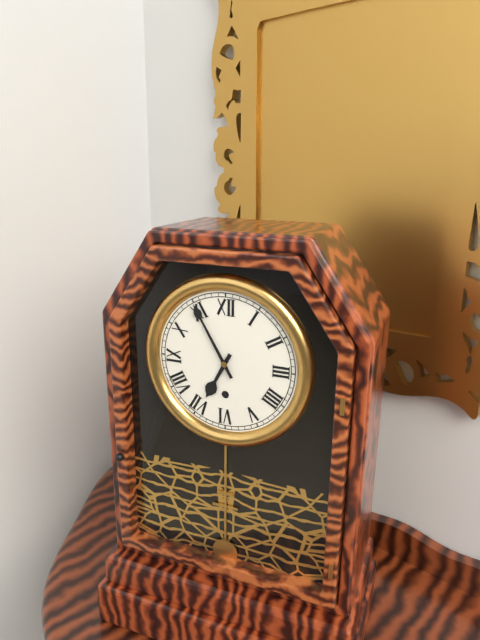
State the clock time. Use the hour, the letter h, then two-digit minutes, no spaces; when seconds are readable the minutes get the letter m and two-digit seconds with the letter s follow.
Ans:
6h55
